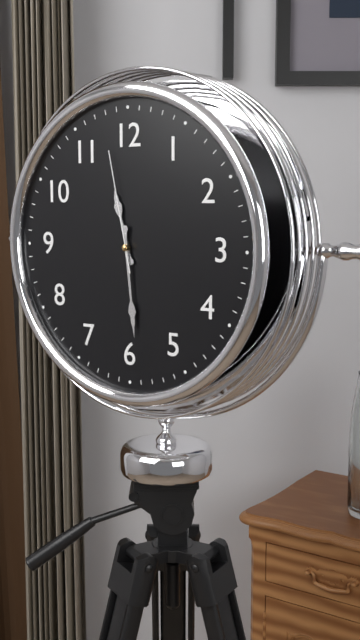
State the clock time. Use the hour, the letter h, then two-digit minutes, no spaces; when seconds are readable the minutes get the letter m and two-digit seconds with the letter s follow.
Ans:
11h29m58s
